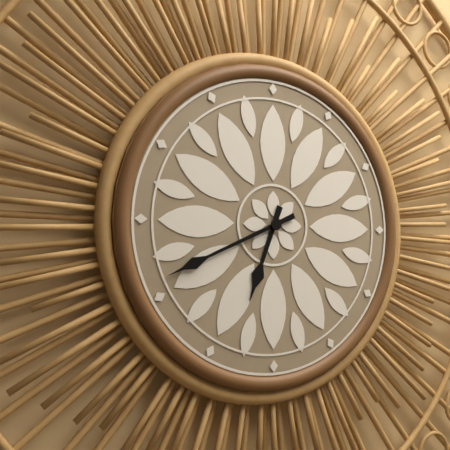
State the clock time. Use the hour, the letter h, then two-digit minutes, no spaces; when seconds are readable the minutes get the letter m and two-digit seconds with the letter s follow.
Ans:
6h41
